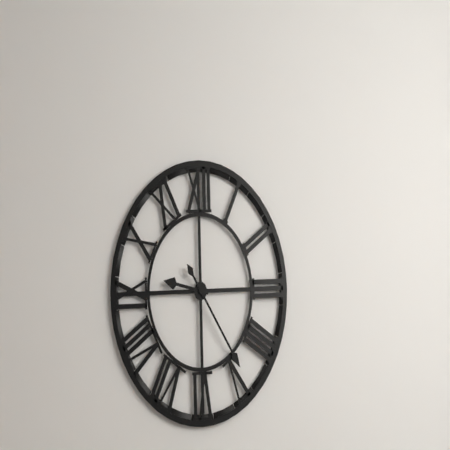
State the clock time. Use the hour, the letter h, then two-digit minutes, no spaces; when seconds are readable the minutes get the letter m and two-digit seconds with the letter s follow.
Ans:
9h24
